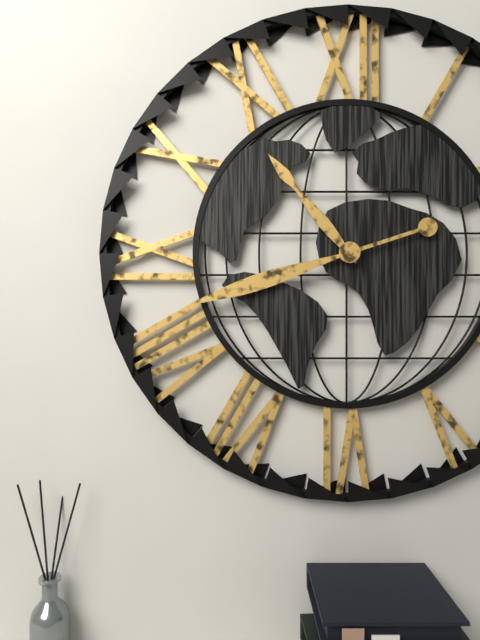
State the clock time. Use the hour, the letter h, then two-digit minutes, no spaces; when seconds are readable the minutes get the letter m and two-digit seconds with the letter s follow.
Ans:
10h42
